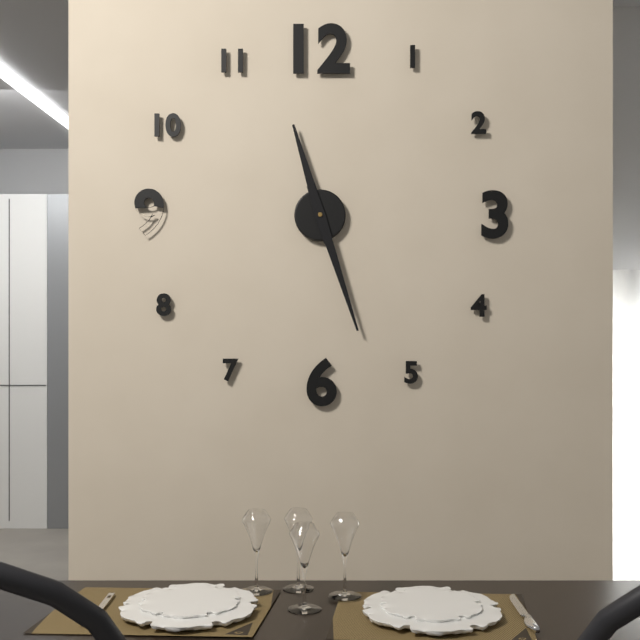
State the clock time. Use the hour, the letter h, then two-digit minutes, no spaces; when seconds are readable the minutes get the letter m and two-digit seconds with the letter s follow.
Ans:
11h27
